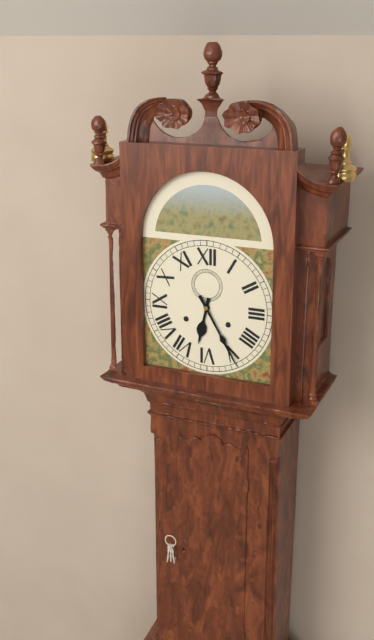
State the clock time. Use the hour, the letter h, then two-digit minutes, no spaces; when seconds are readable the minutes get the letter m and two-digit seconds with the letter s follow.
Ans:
6h25
